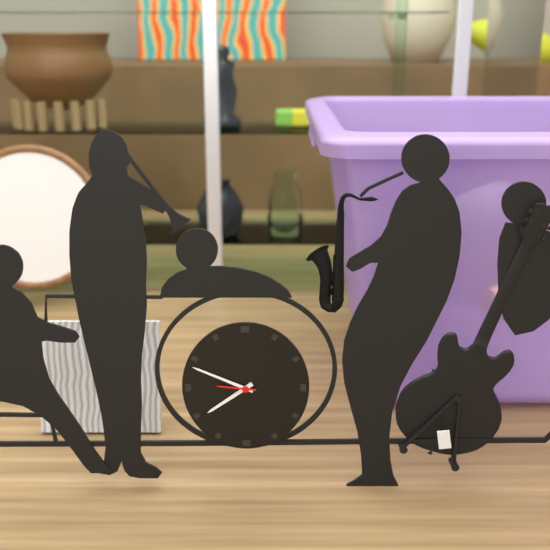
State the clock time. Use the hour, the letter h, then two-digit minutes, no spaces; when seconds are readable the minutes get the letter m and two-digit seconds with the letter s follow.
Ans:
7h49
